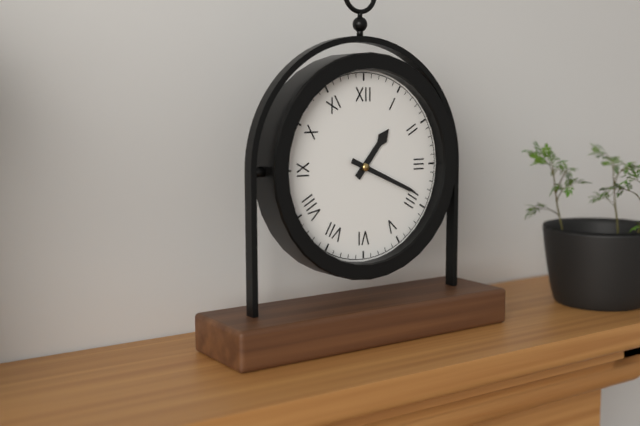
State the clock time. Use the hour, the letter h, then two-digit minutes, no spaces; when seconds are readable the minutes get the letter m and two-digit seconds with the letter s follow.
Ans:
1h19
